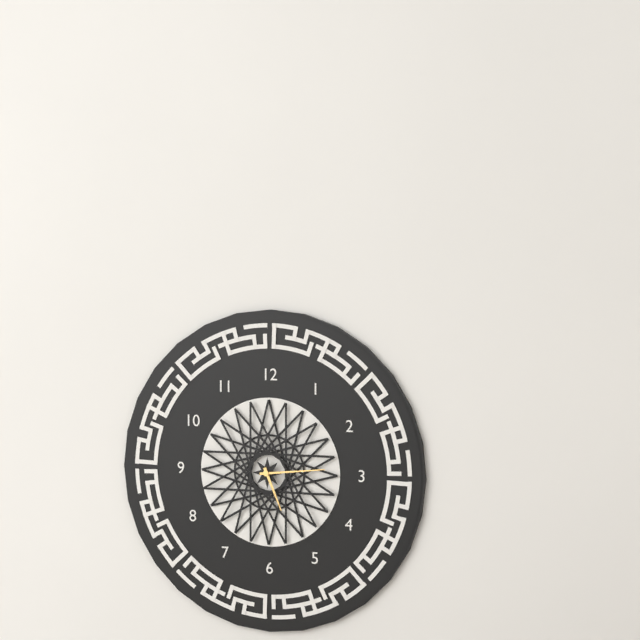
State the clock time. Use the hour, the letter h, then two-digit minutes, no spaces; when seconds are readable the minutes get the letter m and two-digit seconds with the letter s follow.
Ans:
5h14
